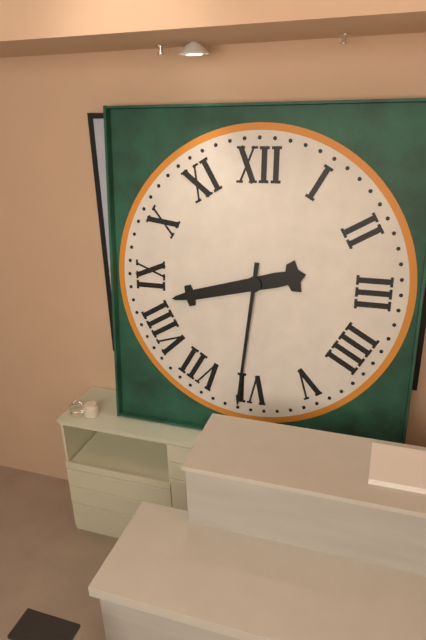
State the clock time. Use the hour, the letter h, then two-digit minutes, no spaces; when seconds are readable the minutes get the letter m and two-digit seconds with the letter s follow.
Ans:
8h31
